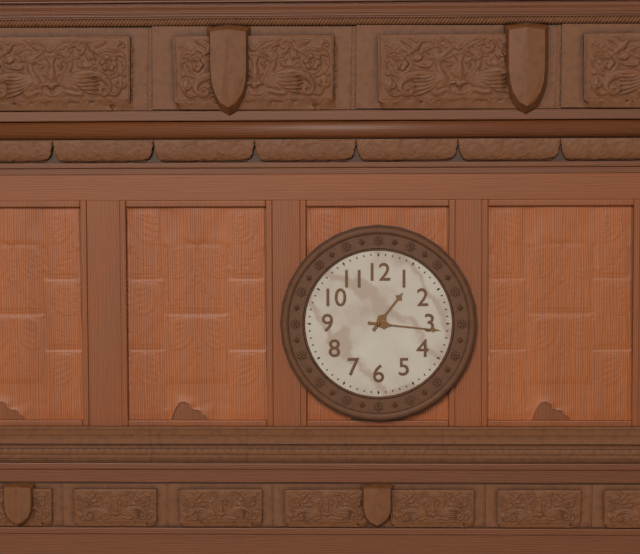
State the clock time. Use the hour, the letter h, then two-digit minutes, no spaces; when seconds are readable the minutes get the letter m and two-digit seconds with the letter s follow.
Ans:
1h16
